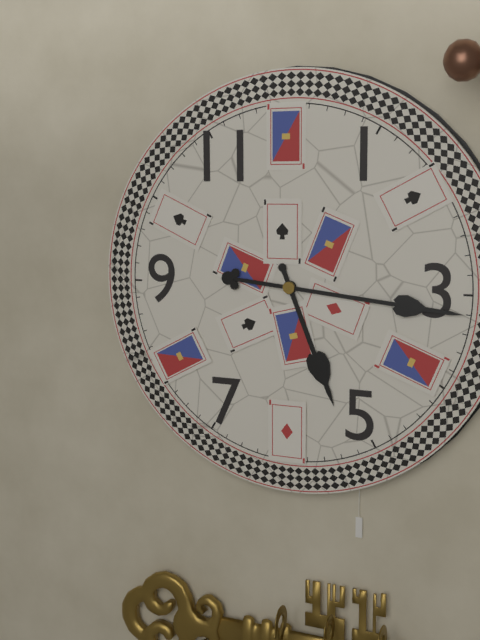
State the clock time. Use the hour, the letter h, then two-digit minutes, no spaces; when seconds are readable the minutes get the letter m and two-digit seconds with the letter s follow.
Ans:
5h16
